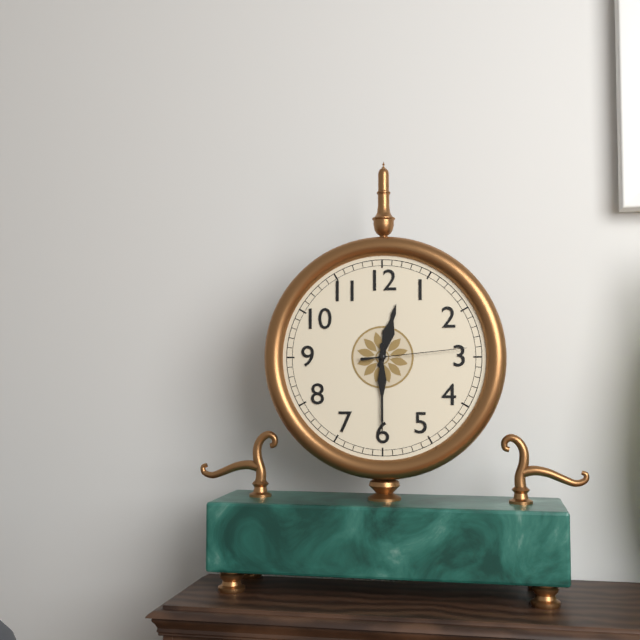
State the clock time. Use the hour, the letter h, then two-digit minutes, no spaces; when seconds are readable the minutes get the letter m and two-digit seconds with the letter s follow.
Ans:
12h30m14s
